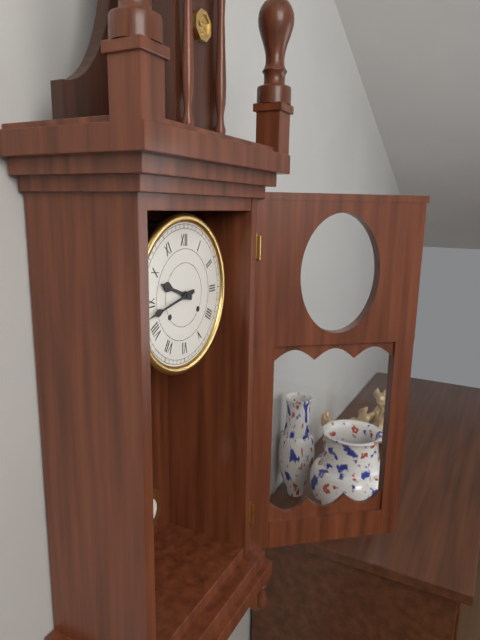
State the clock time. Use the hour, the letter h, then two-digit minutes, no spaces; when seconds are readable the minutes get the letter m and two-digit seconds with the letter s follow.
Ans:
9h43
